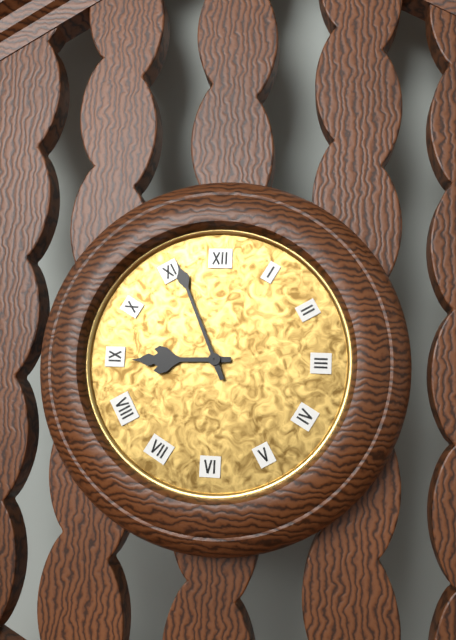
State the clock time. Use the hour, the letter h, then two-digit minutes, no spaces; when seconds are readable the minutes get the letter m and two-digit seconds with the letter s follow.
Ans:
8h56
